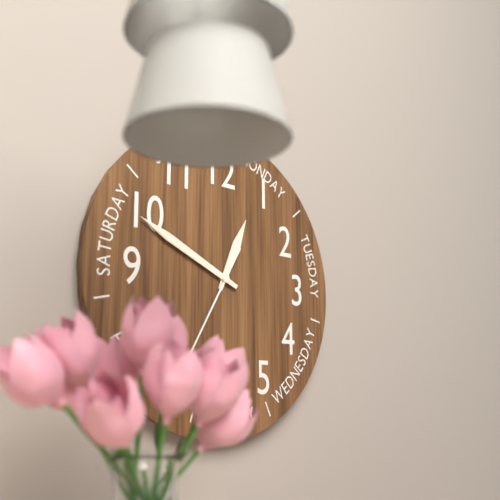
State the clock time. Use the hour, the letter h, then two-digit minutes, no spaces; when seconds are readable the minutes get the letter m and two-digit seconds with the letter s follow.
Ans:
12h49m35s
